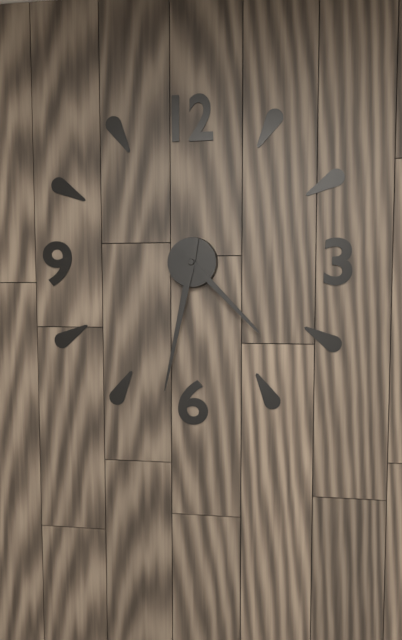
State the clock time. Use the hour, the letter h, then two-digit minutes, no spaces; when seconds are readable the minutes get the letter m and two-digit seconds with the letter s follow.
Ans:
4h32
